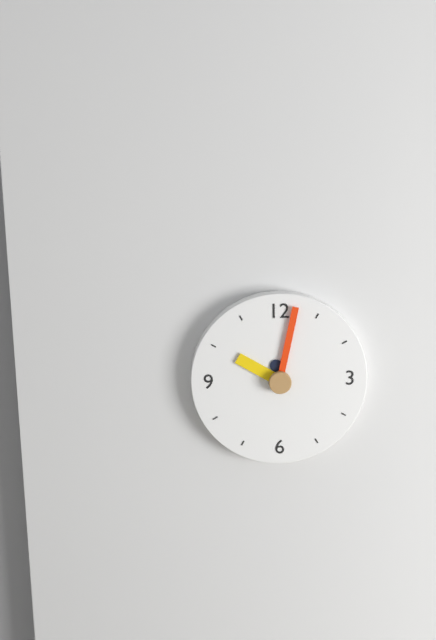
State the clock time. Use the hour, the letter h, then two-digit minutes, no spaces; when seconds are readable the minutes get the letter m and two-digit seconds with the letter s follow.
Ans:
10h02
